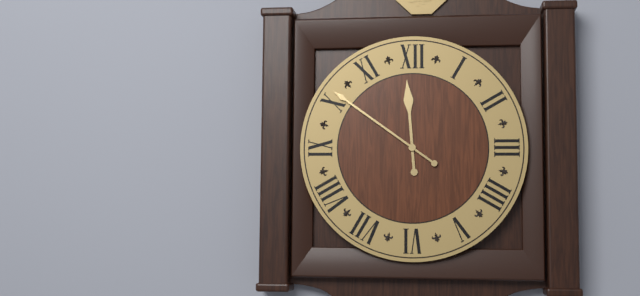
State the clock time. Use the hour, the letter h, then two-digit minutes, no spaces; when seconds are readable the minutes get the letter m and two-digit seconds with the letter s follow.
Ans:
11h51
